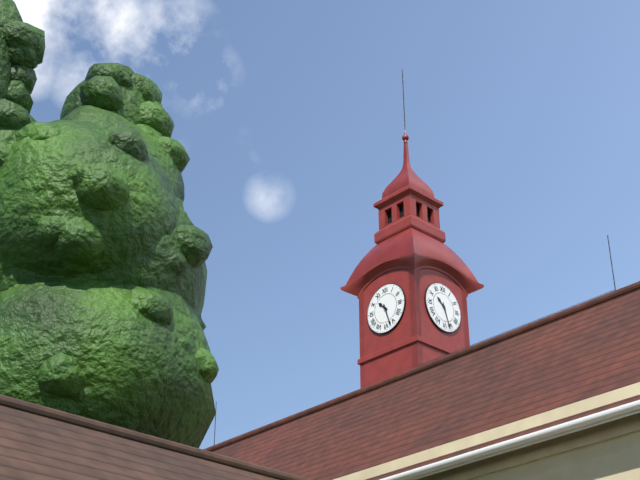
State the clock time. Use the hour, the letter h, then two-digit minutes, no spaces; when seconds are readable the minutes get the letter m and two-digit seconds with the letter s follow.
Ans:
10h27
